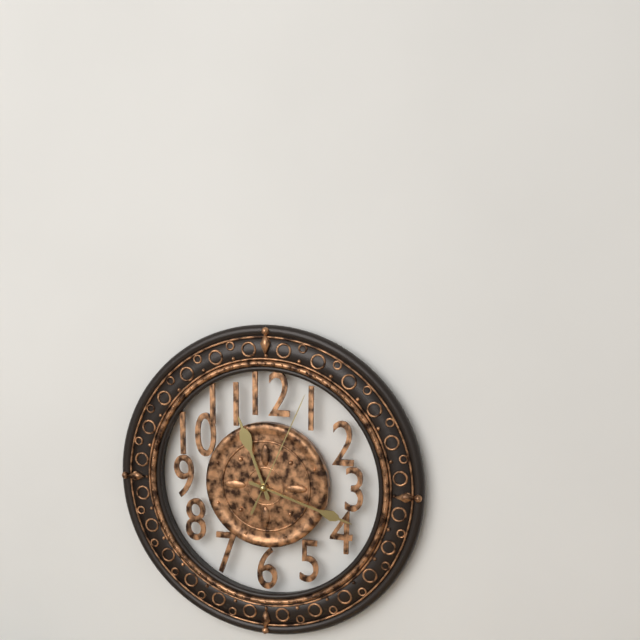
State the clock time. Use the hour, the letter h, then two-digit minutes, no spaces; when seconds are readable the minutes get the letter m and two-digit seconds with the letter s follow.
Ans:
11h18m04s
